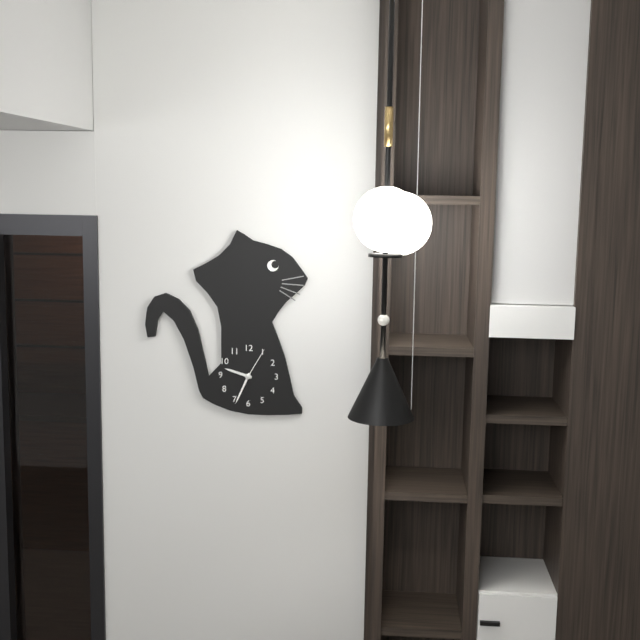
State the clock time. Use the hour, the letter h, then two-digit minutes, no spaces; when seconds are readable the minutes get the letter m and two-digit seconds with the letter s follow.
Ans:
9h34
